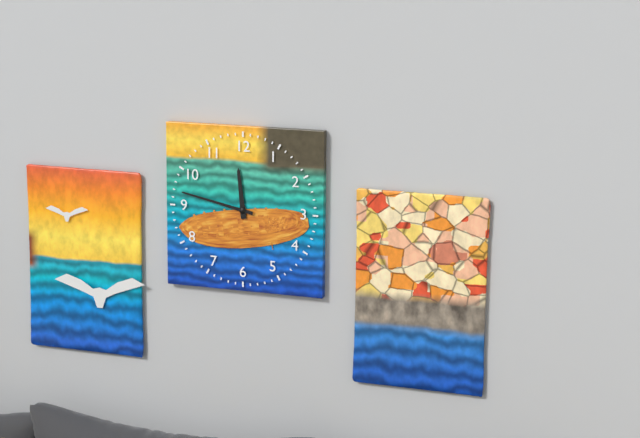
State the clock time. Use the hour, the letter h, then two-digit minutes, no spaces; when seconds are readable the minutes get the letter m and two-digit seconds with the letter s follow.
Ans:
11h47
